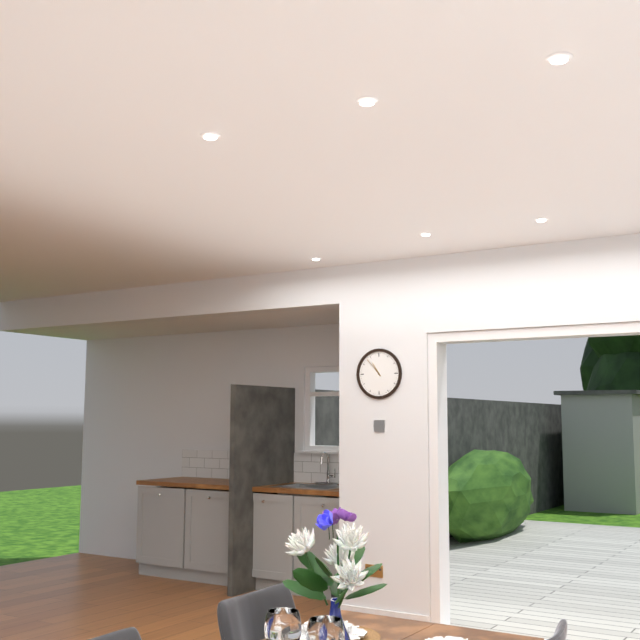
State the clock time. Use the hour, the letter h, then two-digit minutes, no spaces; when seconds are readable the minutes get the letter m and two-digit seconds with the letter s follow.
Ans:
10h53
